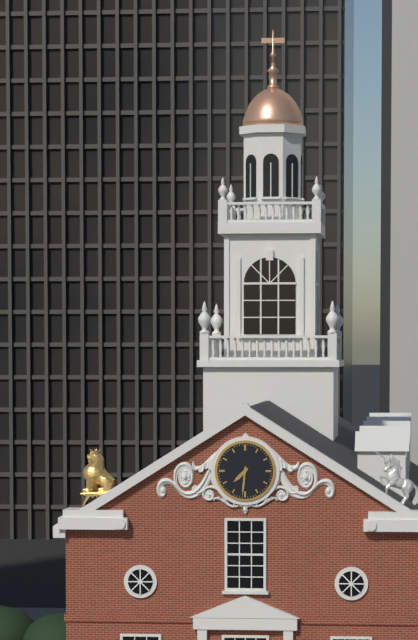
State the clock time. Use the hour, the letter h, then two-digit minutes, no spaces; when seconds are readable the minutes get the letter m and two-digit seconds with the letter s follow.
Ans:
7h31
